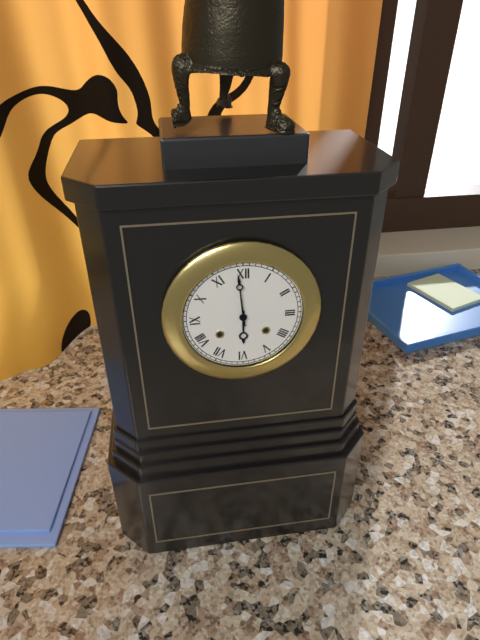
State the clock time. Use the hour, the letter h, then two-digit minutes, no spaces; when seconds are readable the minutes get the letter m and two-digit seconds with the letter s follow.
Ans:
5h59
